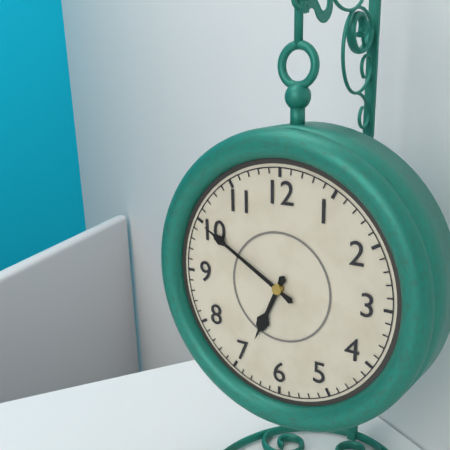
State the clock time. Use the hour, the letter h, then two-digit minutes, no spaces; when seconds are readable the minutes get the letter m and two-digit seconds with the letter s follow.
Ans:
6h50
